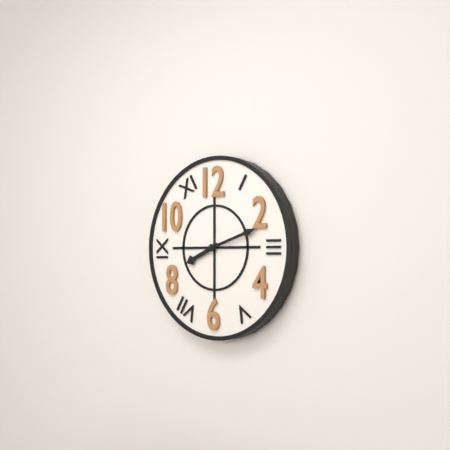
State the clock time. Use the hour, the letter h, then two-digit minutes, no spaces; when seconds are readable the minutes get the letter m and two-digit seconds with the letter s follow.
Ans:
8h12
